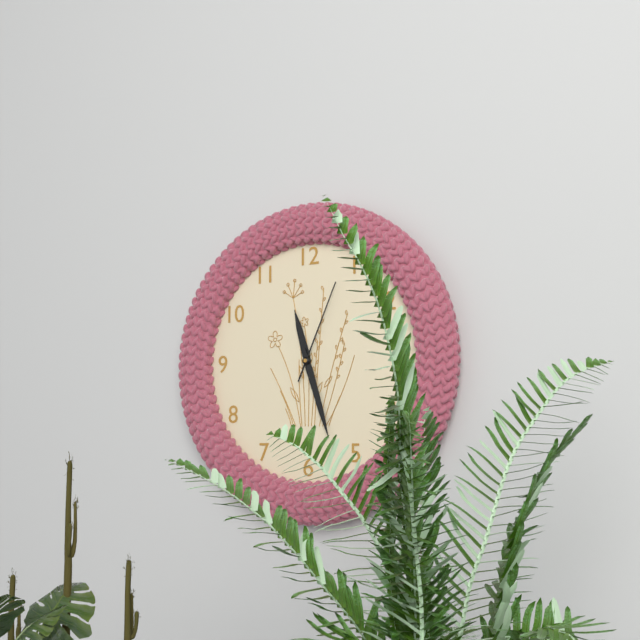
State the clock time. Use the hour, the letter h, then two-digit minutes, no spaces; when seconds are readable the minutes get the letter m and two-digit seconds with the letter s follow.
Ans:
11h27m04s
